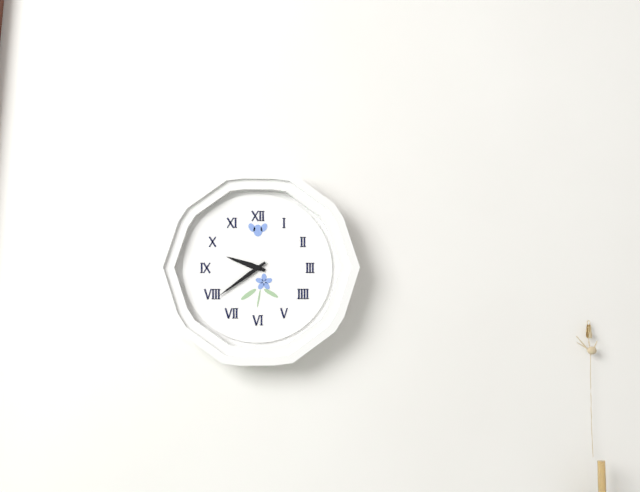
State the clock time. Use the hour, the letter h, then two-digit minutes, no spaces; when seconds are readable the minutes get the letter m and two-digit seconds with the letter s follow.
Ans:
9h39
